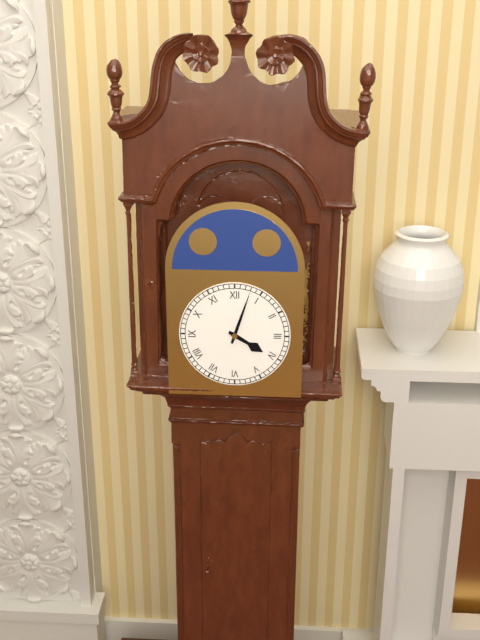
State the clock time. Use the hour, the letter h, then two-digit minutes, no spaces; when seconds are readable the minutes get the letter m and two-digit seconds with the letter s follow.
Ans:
4h03
